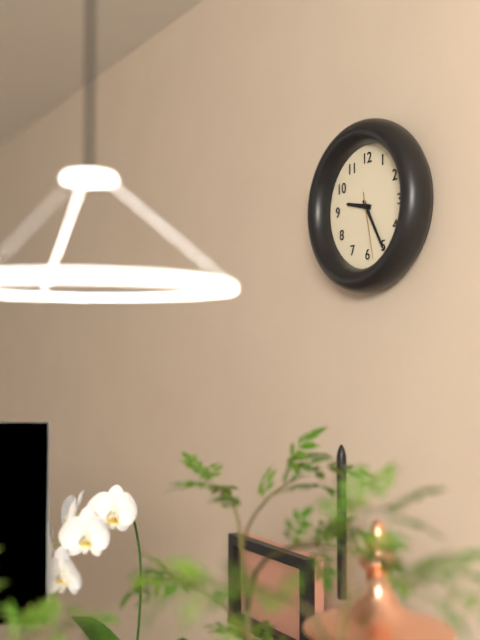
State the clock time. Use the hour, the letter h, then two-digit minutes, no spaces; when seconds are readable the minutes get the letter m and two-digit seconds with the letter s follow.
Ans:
9h25m28s
